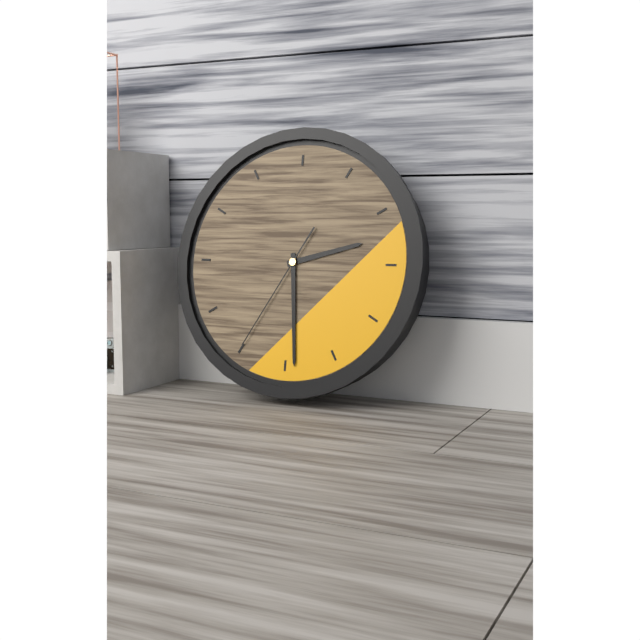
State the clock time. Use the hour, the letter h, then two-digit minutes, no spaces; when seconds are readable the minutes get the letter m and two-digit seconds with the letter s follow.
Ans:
2h29m35s
